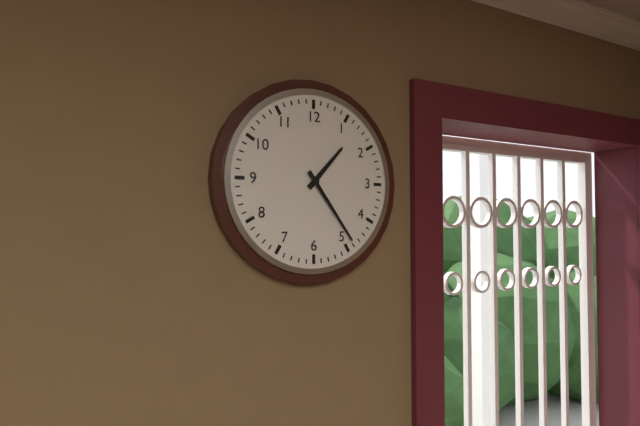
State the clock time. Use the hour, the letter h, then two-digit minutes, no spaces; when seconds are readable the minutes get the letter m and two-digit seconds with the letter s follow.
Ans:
1h24
